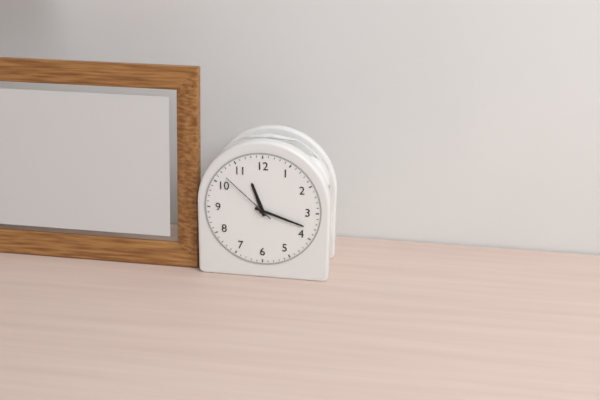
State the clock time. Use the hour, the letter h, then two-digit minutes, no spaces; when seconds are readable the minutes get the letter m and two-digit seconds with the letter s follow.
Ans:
11h18m52s
